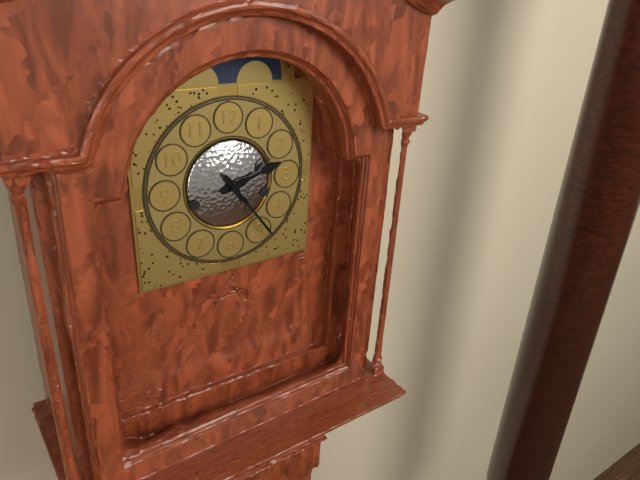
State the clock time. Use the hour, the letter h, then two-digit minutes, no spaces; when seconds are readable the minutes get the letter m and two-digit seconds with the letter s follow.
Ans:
2h24
